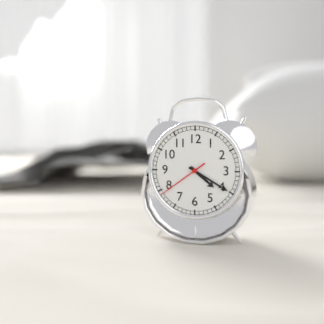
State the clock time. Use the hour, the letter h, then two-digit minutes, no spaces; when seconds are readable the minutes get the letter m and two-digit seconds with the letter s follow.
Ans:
4h20m39s
